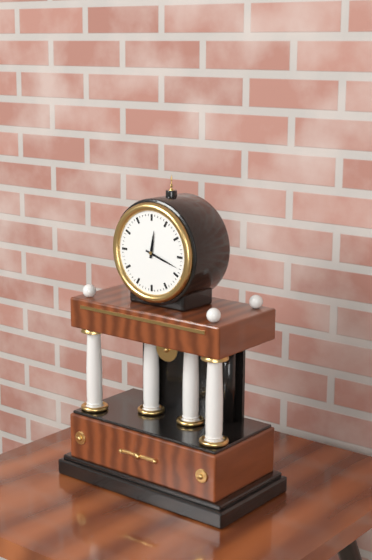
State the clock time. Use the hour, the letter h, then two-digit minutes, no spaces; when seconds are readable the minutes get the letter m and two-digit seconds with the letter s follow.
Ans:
12h18
